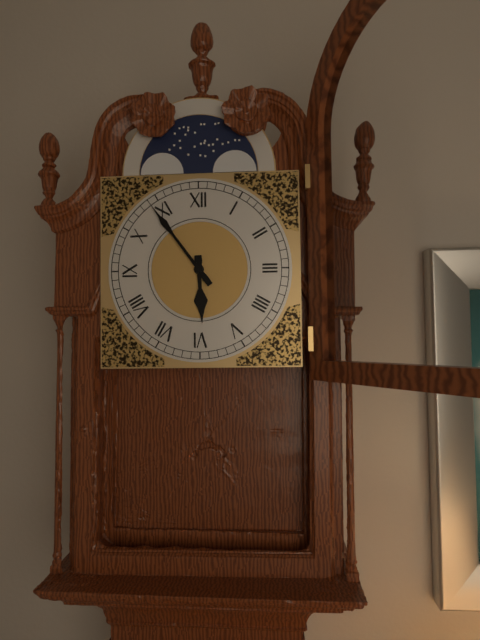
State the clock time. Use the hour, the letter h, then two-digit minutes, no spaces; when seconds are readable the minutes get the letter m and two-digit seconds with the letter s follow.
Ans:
5h54
